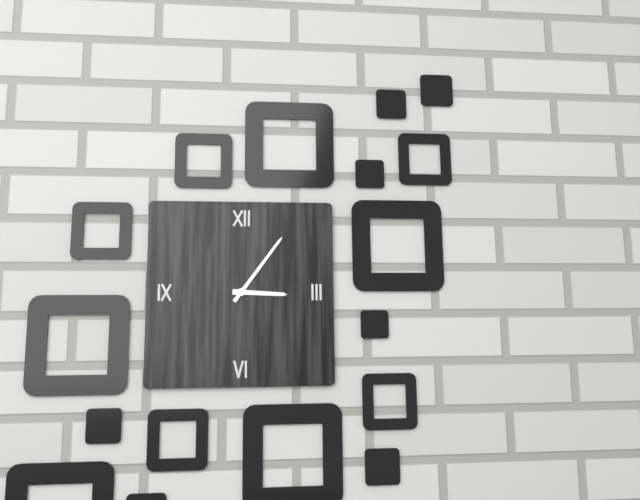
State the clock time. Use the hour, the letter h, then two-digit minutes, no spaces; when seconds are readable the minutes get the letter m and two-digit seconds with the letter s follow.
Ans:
3h06
